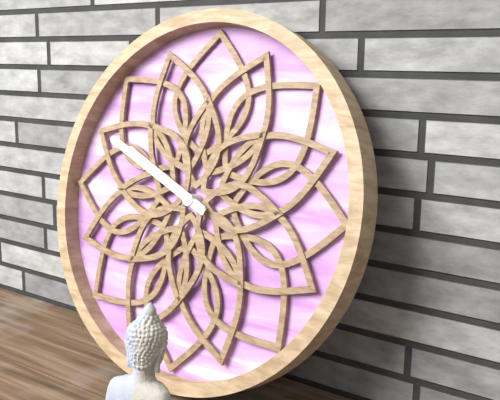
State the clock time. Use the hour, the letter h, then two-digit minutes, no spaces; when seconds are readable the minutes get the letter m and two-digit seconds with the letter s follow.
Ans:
9h49
